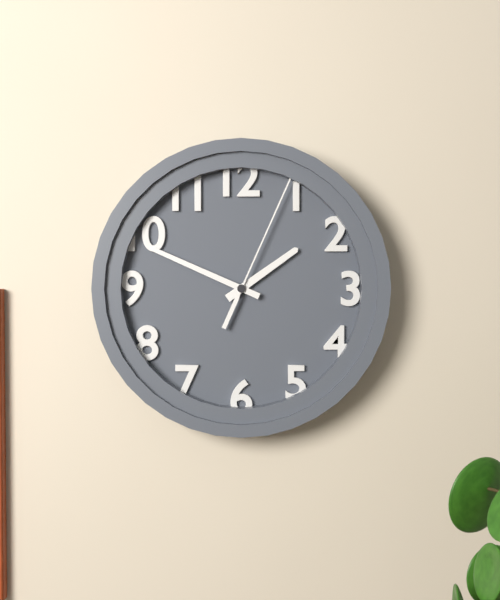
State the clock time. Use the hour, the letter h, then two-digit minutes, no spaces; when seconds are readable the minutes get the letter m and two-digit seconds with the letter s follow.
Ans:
1h49m04s
